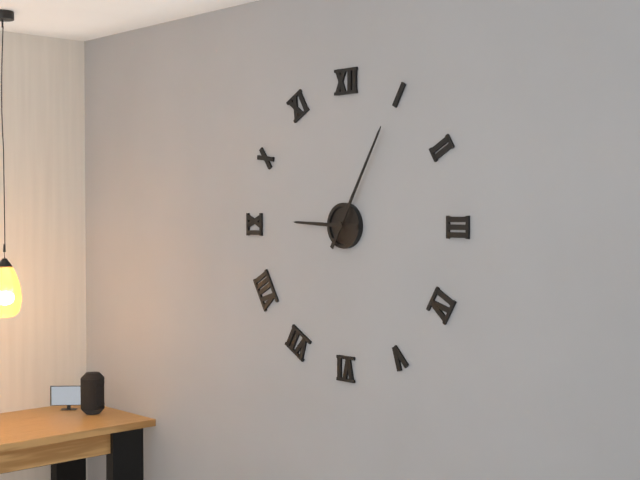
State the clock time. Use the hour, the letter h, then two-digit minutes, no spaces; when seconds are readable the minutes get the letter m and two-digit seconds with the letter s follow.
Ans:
9h05
